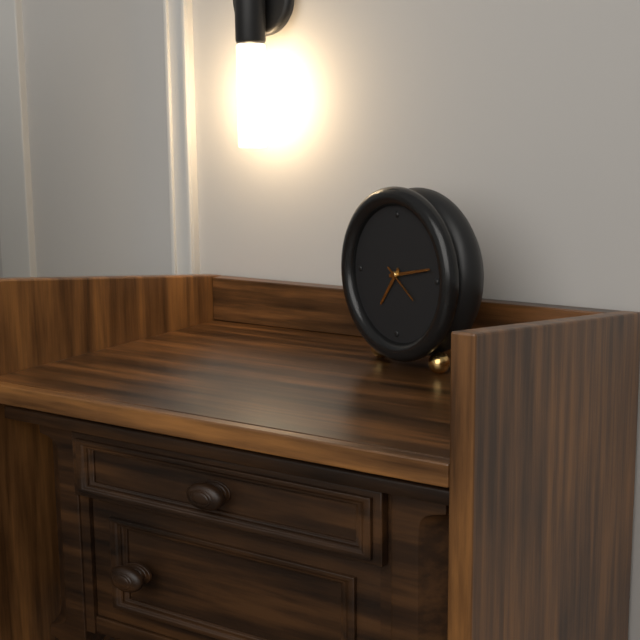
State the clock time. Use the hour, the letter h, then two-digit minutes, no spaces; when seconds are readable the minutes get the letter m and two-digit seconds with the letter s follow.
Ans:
7h13
